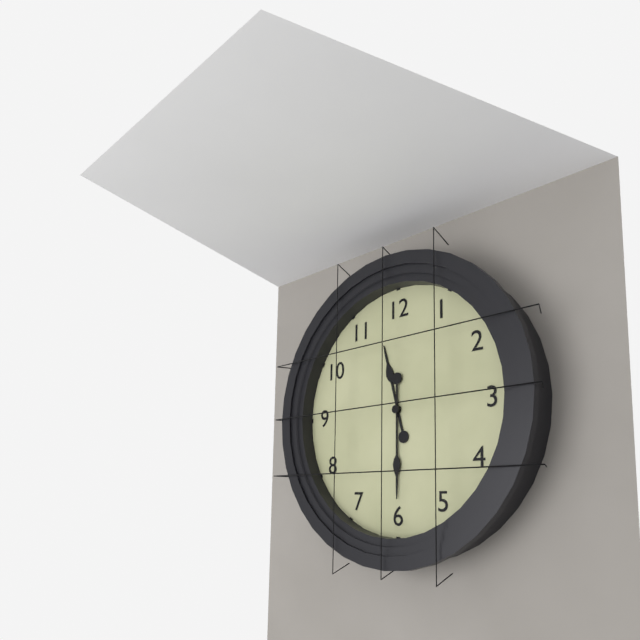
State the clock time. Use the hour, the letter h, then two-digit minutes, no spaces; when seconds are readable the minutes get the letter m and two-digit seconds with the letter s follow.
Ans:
11h30
